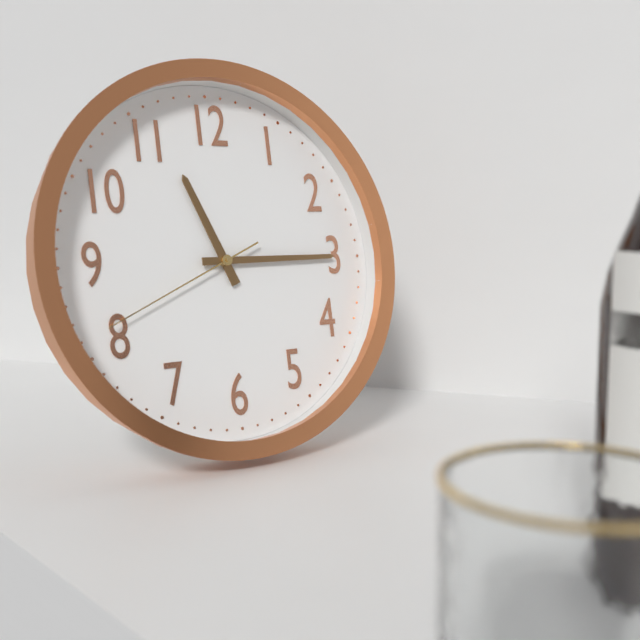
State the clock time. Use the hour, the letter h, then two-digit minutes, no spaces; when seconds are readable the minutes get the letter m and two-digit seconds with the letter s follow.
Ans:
11h15m41s
